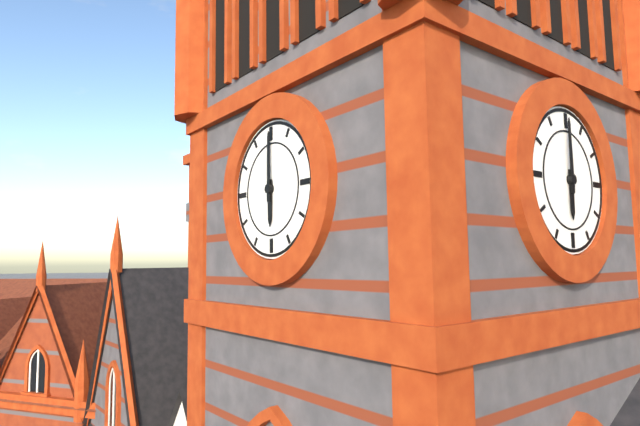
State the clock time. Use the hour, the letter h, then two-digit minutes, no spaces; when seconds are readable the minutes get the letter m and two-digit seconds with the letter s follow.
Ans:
6h00
